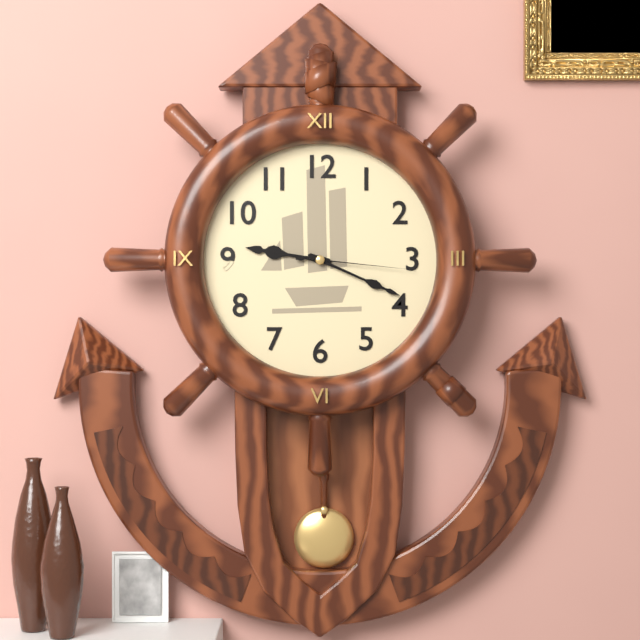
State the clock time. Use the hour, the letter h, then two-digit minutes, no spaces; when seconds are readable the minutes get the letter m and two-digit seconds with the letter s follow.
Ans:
9h19m16s
